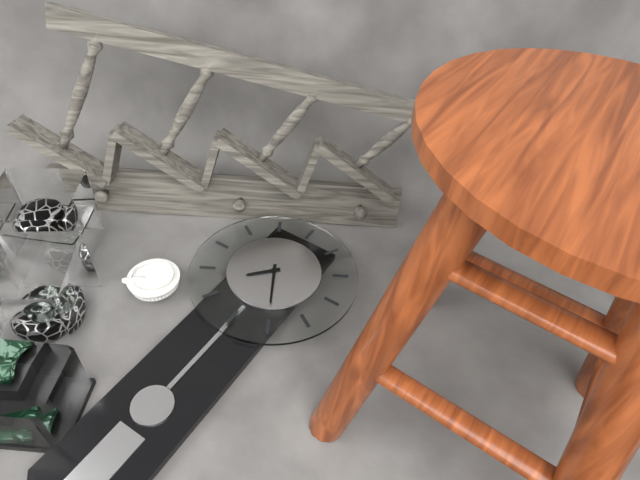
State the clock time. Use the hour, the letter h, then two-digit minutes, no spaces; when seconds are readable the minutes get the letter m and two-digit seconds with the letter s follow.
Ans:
7h25
